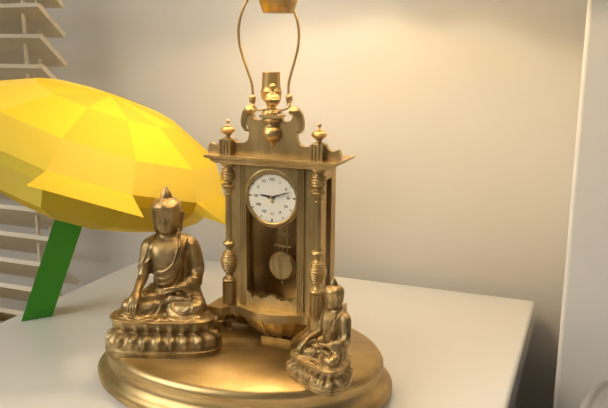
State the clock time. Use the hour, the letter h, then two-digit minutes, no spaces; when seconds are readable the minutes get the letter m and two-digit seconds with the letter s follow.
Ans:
9h12
